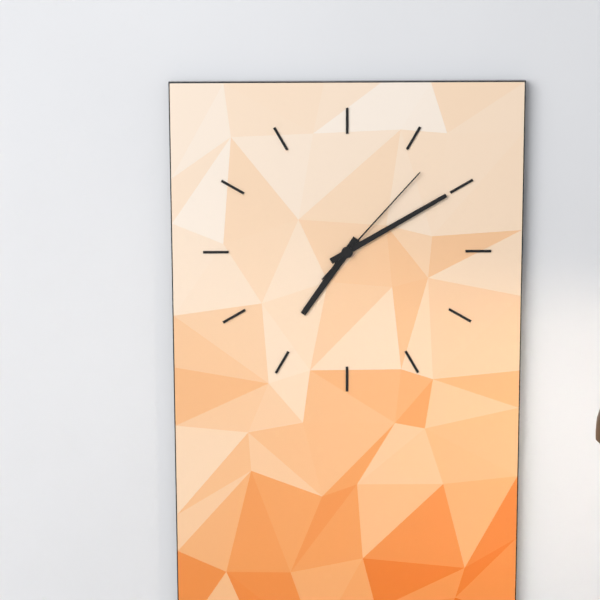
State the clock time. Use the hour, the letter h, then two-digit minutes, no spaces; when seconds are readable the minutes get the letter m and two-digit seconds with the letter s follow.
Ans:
7h10m07s
